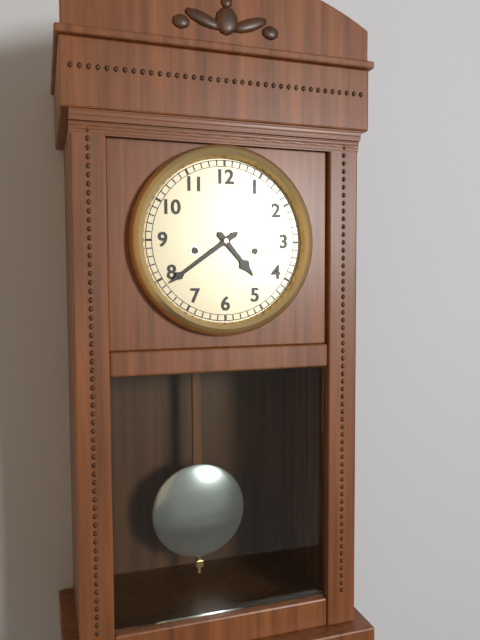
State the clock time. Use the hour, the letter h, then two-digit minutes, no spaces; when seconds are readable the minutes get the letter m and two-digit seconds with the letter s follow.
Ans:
4h39
